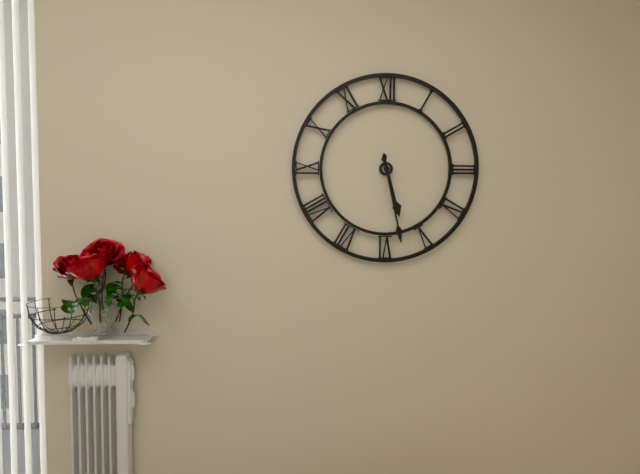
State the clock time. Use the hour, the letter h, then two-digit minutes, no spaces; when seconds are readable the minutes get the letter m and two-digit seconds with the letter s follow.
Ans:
5h28
